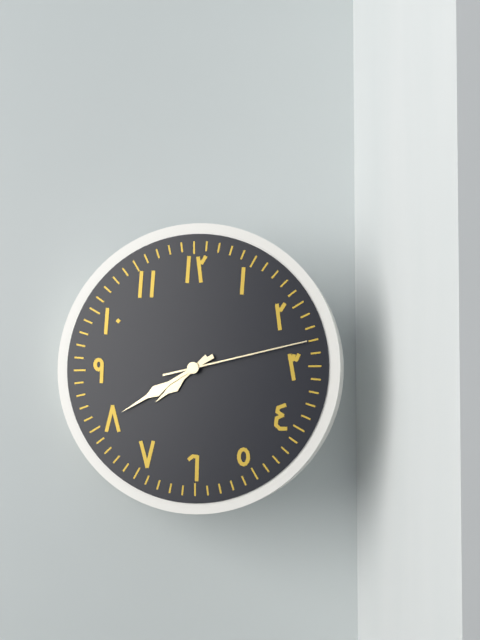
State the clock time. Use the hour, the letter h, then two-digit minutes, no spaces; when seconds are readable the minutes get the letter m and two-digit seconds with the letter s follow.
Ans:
7h40m13s
